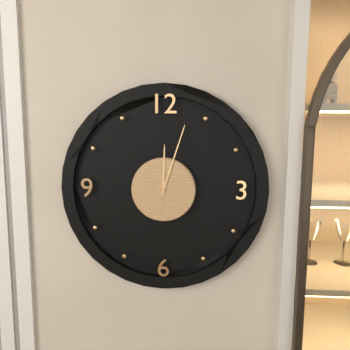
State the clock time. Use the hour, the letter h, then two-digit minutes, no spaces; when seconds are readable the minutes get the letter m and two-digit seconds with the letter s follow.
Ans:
12h03
